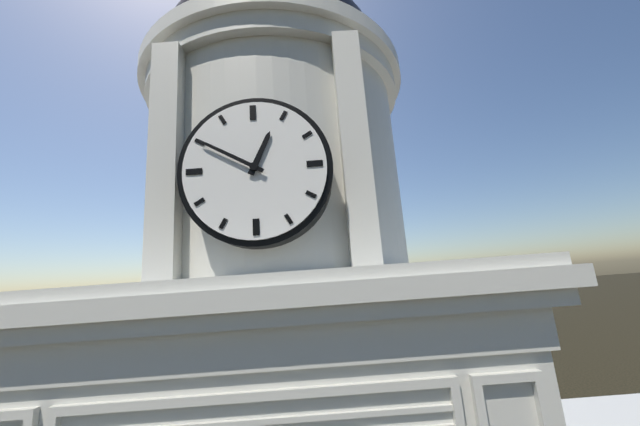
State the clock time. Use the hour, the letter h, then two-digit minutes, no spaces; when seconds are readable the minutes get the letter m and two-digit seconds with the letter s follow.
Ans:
12h50
